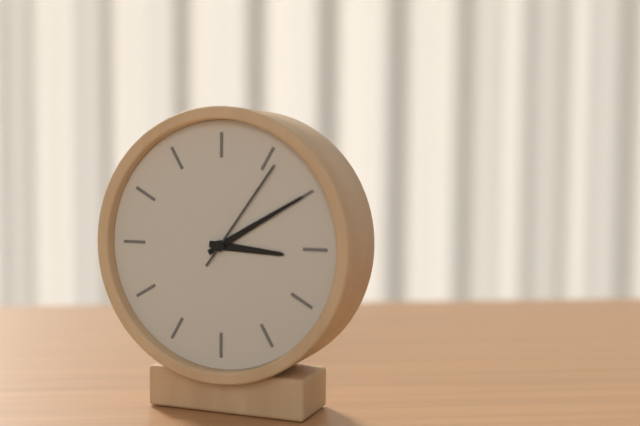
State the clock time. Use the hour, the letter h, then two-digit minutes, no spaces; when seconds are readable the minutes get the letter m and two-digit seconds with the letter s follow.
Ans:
3h10m06s
